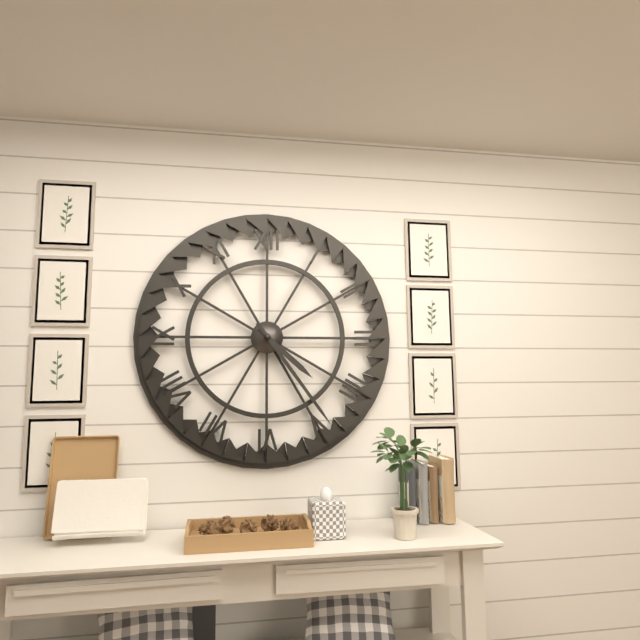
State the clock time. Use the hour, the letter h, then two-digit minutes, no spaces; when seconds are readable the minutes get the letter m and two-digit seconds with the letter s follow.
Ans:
4h24
